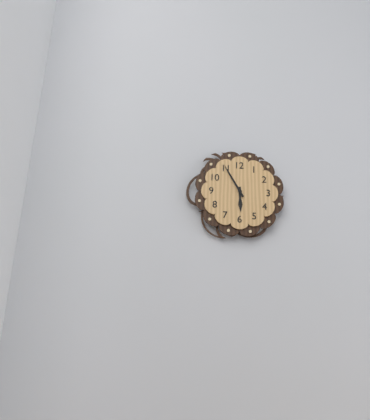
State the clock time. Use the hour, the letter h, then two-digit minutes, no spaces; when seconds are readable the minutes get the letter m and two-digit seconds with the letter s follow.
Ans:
5h55
